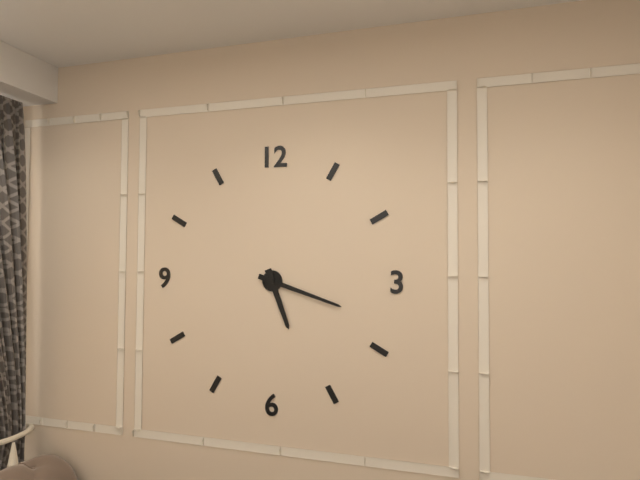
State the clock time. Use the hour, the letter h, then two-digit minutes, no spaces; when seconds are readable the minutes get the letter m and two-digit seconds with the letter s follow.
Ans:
5h18
